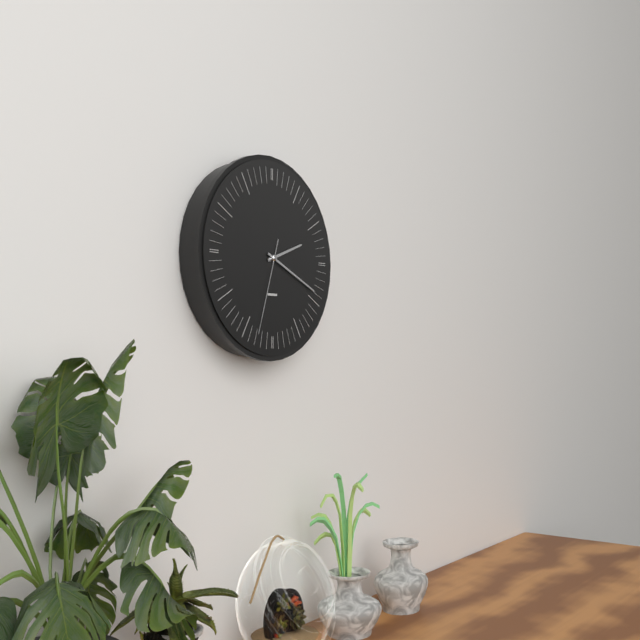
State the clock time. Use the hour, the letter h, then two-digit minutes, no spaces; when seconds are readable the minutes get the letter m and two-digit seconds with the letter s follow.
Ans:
2h19m33s
